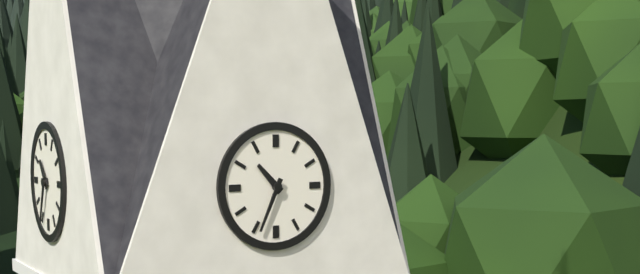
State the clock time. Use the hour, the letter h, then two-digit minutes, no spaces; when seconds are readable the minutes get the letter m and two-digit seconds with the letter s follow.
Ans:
10h34
